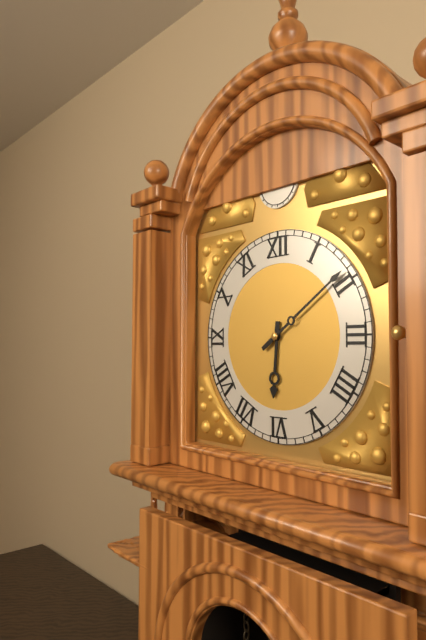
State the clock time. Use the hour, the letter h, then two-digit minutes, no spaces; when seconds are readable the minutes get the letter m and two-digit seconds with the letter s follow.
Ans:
6h09
